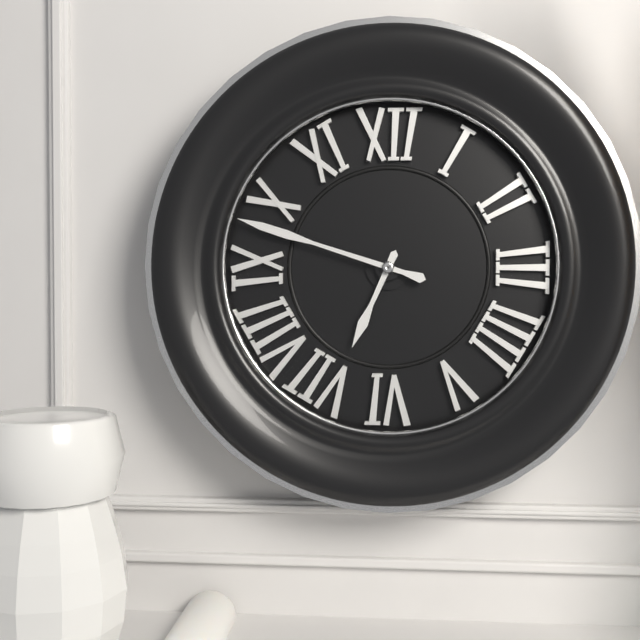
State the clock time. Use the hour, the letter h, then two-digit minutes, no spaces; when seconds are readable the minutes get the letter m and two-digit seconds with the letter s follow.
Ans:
6h48
